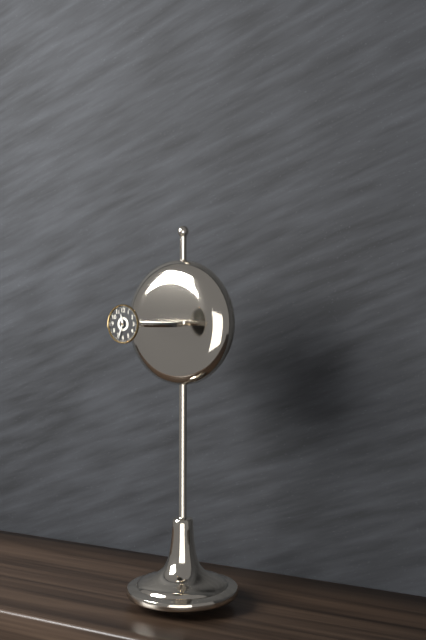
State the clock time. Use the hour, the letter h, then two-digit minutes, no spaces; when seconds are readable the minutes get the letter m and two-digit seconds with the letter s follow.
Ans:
11h33
